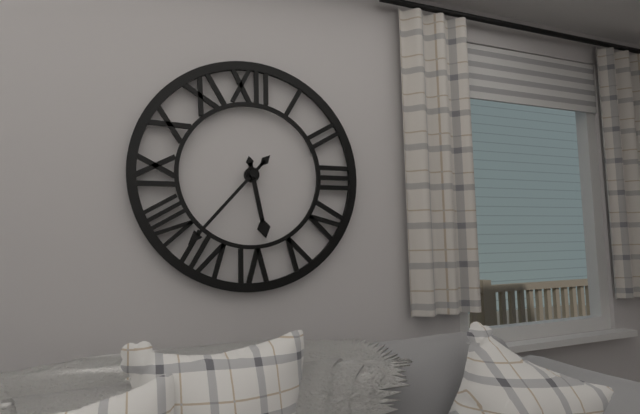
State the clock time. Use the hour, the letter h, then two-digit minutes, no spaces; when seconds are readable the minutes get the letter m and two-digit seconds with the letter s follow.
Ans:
5h37
